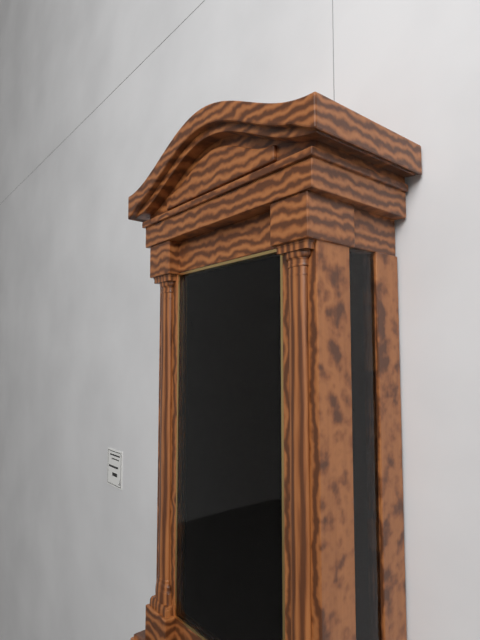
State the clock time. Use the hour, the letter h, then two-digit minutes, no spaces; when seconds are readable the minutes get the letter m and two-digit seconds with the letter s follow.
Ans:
10h46
